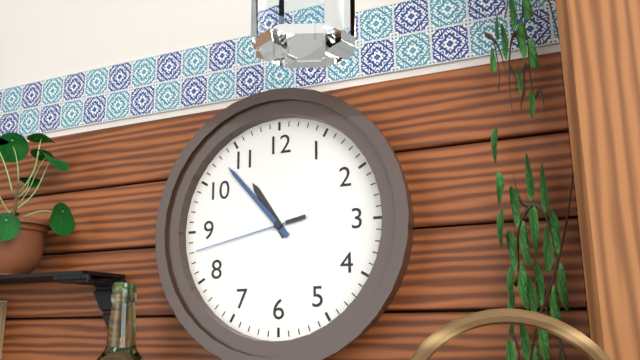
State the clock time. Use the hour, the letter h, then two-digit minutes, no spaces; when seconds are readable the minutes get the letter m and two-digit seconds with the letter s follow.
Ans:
10h53m43s
